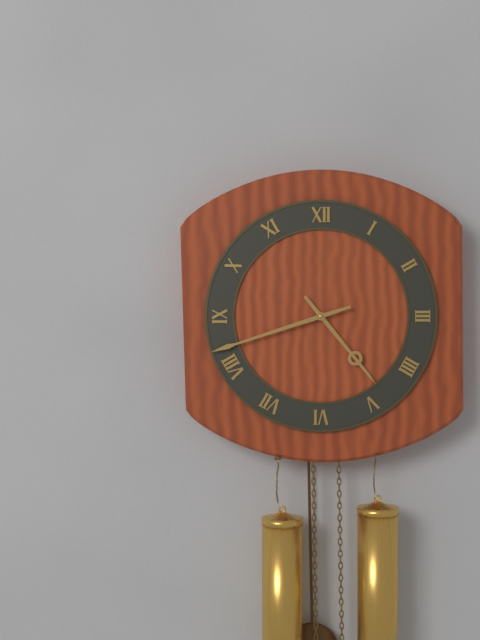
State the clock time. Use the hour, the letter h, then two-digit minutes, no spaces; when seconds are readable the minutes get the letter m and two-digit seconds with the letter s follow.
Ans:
4h42
